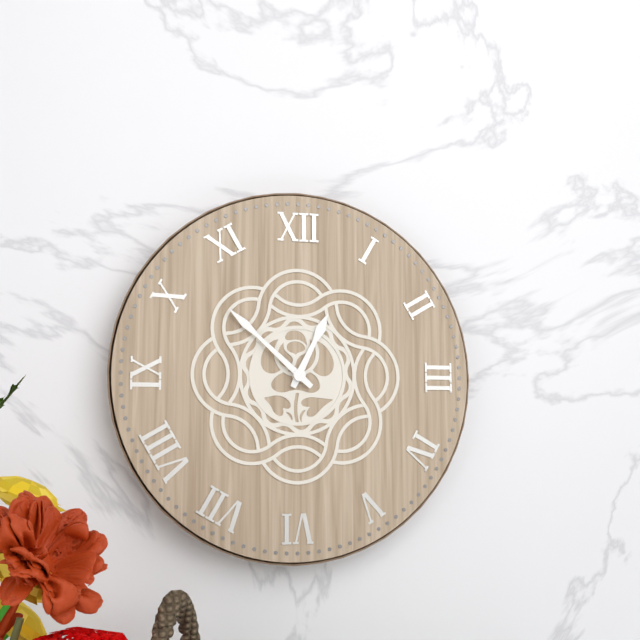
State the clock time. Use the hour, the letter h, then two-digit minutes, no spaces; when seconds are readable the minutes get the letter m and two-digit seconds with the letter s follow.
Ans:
12h52
